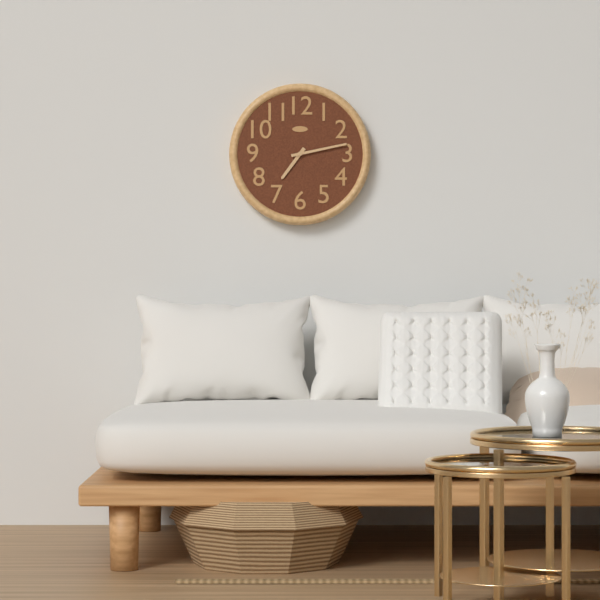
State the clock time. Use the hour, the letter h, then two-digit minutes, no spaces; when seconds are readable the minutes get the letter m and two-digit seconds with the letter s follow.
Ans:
7h13
